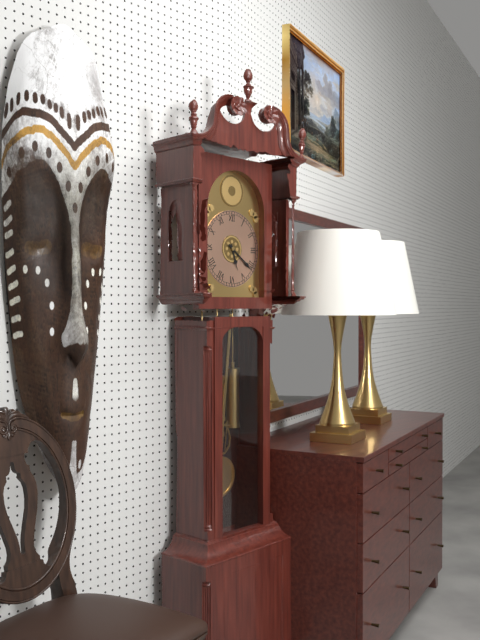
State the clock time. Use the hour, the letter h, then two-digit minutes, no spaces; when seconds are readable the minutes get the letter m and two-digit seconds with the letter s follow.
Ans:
5h21
